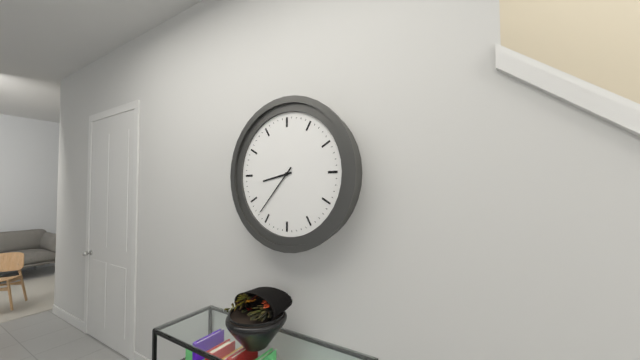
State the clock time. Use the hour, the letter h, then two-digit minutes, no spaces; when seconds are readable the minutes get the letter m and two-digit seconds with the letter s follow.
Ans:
8h37
